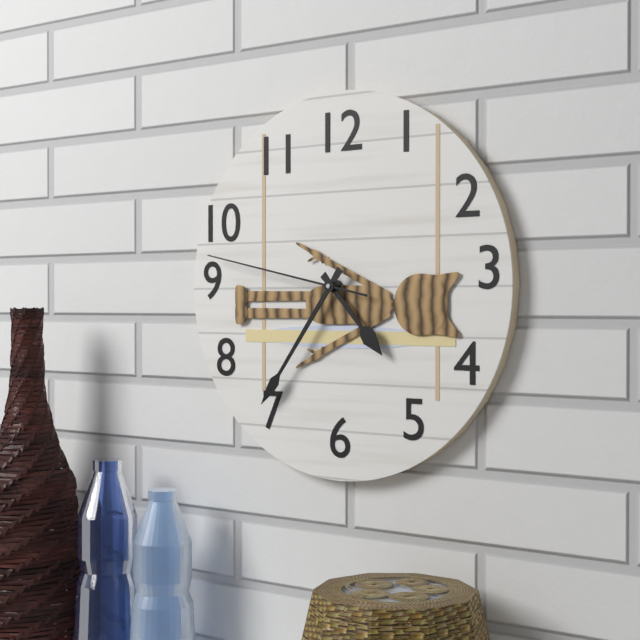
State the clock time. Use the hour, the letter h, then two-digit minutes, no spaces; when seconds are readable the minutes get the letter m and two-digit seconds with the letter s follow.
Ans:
4h36m47s
